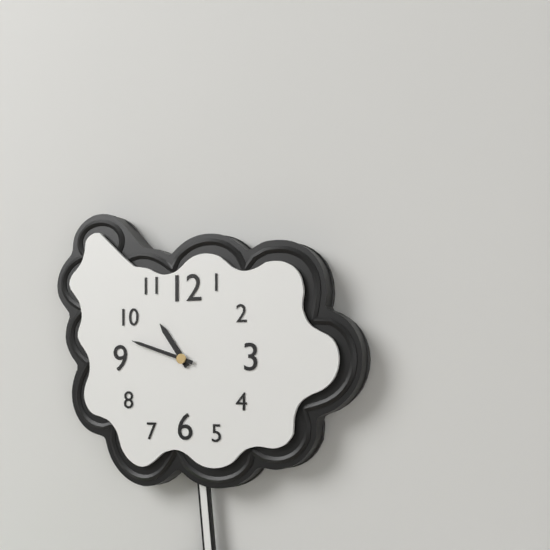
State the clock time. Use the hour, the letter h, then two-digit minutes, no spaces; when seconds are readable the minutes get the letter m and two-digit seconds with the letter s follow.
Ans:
10h48
